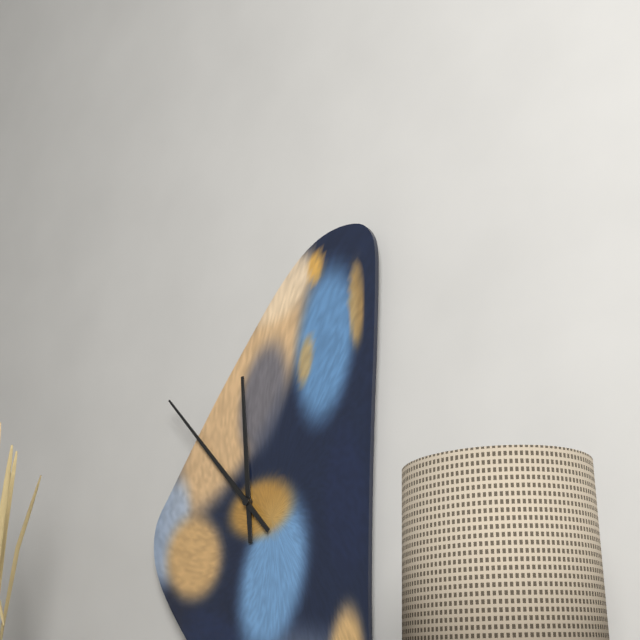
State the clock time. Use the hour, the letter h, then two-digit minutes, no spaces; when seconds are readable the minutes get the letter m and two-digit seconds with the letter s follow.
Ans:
11h53
